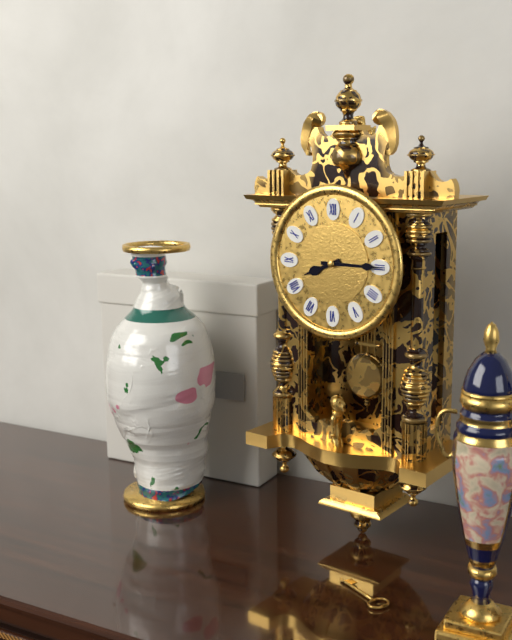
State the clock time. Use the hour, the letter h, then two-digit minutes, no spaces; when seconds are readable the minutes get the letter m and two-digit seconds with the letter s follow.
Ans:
8h15
